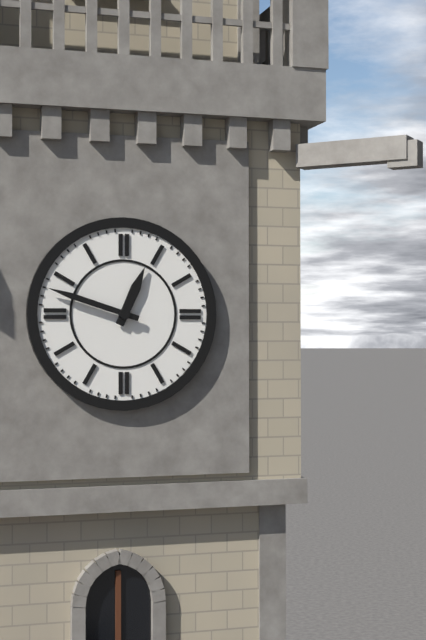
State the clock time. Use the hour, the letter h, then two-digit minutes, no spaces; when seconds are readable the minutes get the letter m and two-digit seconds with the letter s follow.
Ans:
12h48
